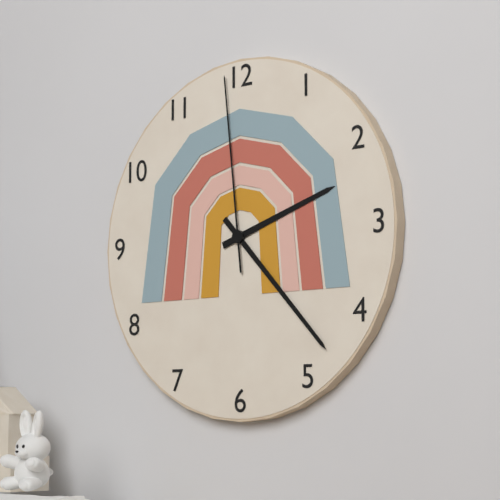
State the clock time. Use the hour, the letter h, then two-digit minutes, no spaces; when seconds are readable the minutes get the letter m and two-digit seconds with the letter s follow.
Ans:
2h23m59s
